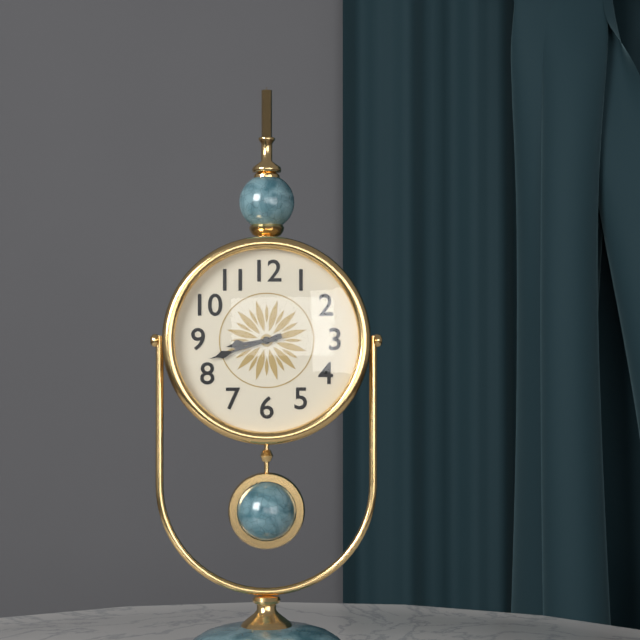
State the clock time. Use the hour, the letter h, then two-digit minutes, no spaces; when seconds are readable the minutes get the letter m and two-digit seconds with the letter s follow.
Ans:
8h42
